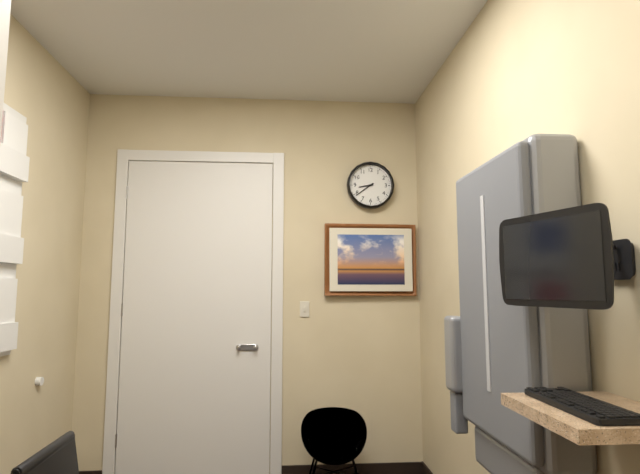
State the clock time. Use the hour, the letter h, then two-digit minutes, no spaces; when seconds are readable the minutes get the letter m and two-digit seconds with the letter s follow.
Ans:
8h39
